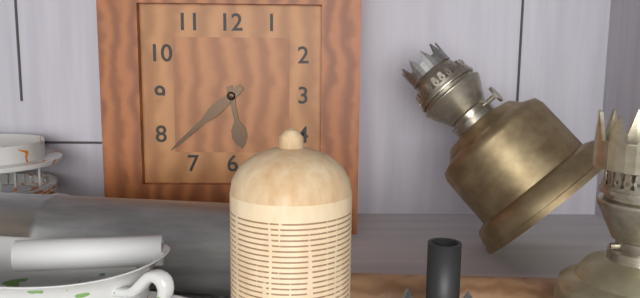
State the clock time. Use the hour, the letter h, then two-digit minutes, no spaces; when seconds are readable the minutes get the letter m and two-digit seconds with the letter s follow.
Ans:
5h38
